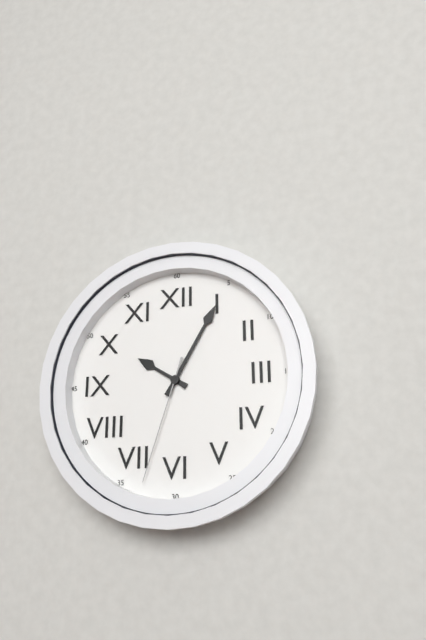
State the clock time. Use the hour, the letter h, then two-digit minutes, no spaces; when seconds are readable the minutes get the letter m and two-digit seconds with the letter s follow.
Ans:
10h05m33s
